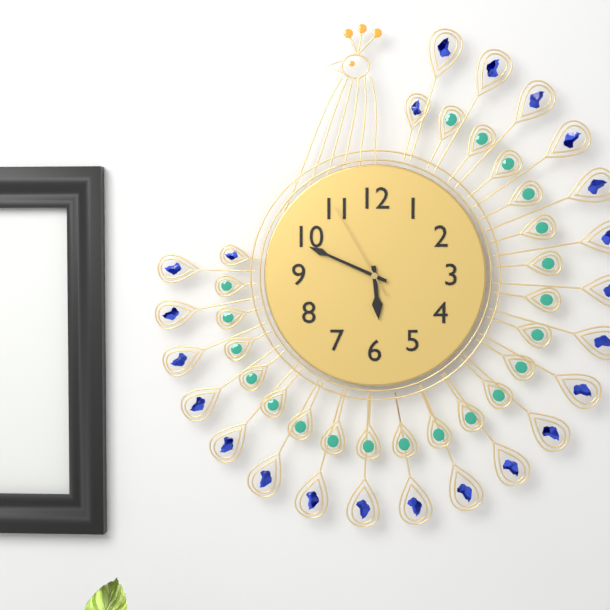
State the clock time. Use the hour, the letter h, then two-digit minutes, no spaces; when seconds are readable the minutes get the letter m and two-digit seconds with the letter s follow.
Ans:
5h49m55s
